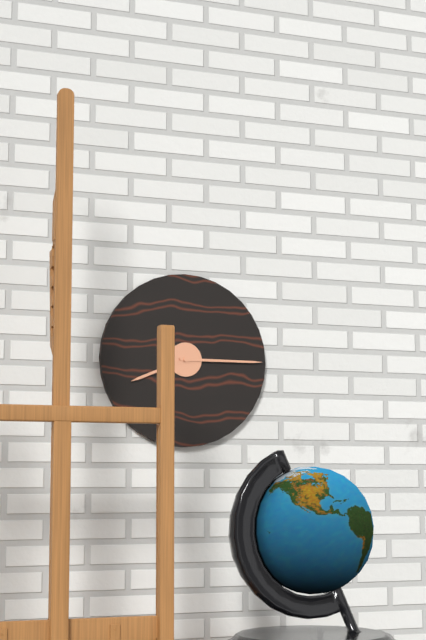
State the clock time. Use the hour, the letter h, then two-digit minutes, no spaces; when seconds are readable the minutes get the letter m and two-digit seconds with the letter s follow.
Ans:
8h15
